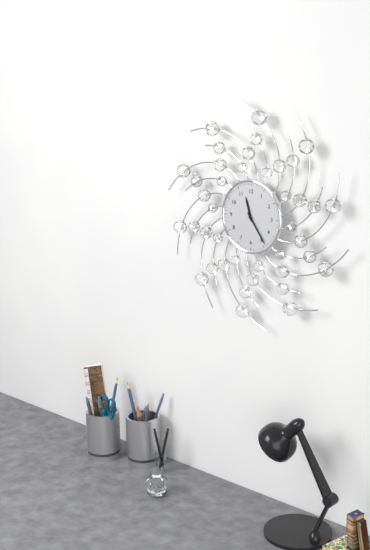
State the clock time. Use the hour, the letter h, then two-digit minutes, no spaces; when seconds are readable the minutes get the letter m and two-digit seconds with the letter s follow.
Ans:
11h24
